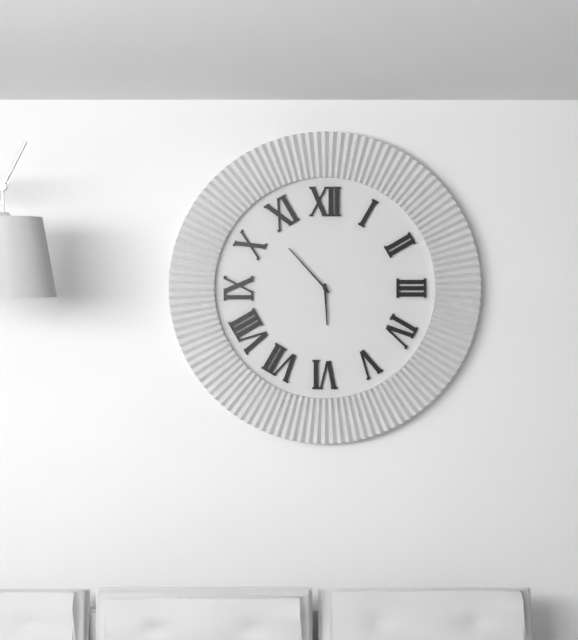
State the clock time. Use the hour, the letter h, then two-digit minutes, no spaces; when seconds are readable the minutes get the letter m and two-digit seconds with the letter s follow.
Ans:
5h53
